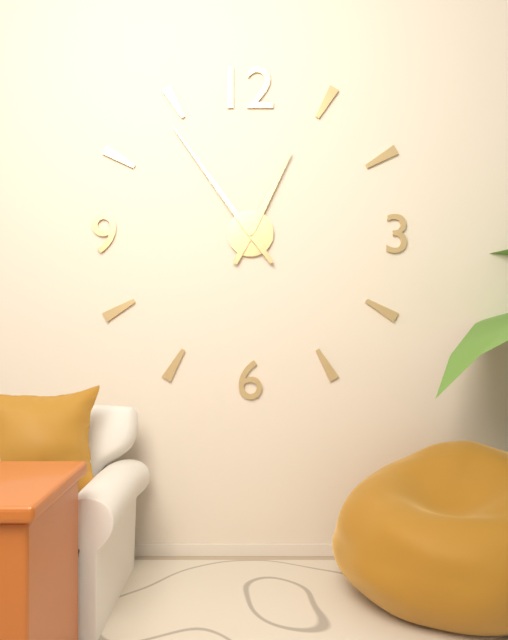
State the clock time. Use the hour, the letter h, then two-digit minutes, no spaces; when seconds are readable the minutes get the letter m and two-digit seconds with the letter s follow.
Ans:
12h54
